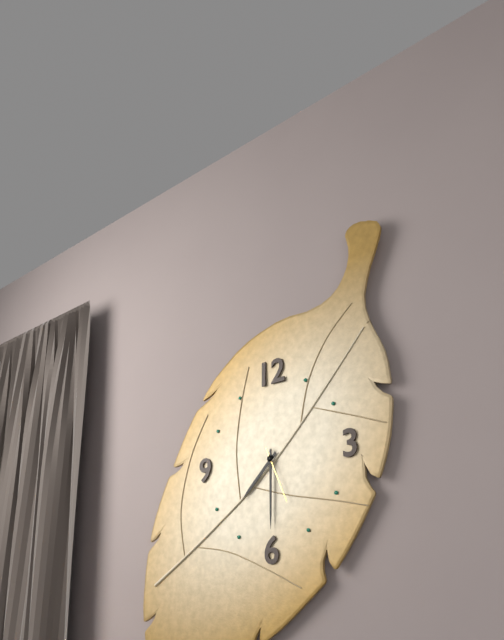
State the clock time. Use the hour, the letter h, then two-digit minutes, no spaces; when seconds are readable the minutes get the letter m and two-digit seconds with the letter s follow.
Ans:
7h30m26s
